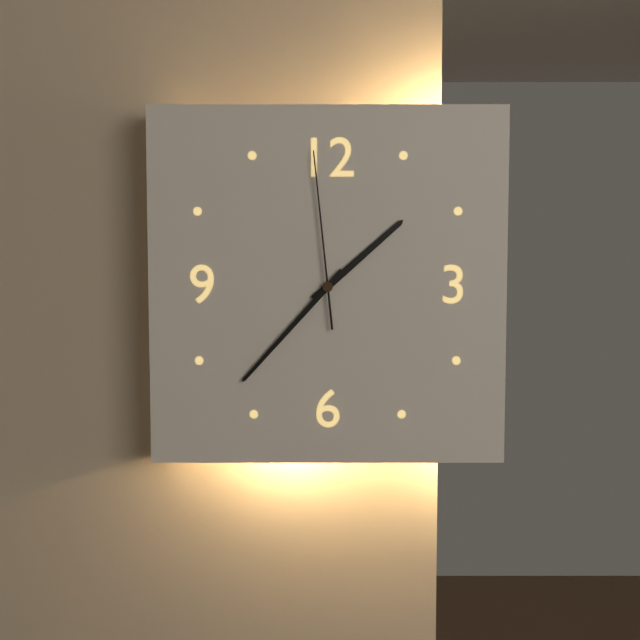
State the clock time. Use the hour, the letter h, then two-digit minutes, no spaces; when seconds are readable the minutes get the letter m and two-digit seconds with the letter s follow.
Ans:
1h37m59s
